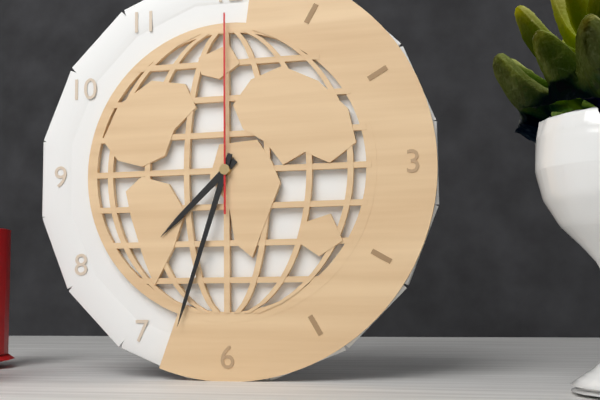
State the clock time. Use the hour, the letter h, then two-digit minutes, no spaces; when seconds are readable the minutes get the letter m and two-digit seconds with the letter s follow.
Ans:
7h33m00s
